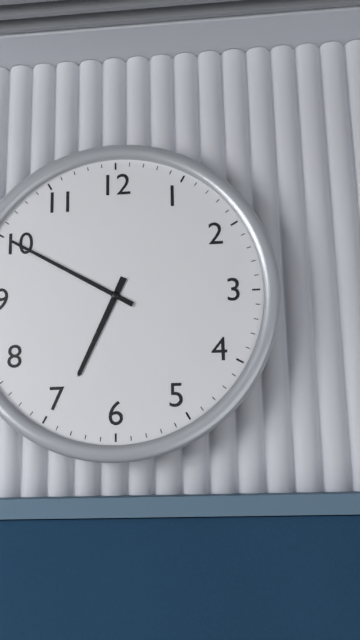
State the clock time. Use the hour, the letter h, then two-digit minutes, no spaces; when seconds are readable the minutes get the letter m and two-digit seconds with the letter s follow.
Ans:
6h50
